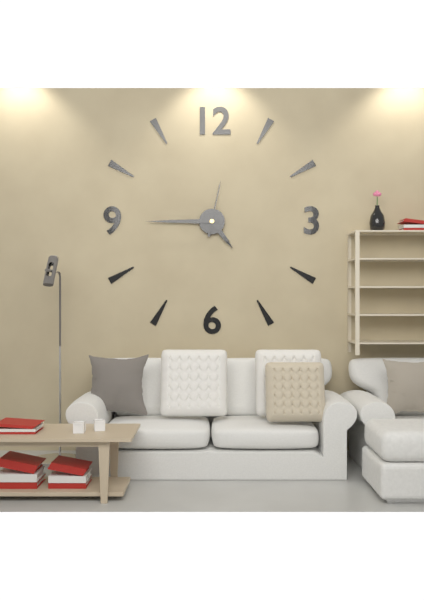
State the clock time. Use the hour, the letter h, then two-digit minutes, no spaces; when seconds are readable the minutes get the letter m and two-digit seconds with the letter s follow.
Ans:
4h45m02s
